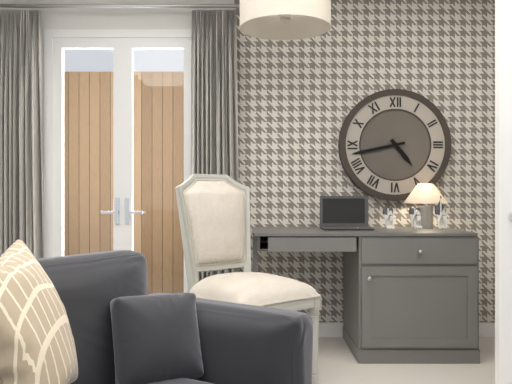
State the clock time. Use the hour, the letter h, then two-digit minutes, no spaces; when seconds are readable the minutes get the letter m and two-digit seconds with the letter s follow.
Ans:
4h43
